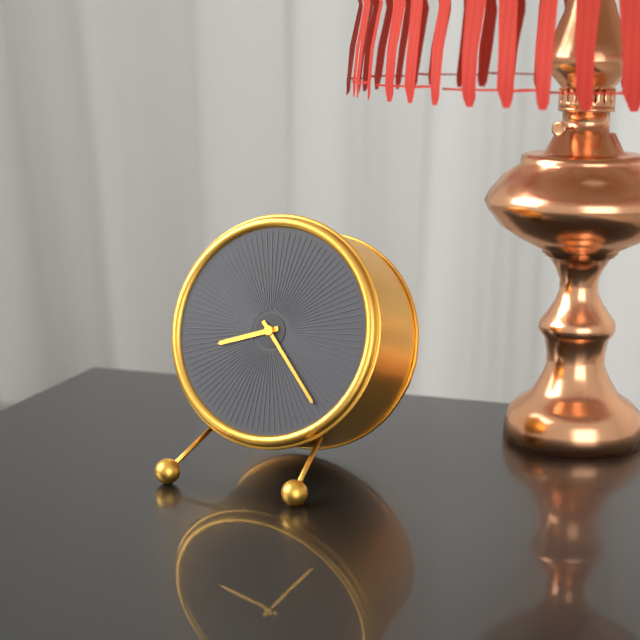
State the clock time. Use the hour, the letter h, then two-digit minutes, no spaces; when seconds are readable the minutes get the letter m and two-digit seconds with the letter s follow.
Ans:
8h23
